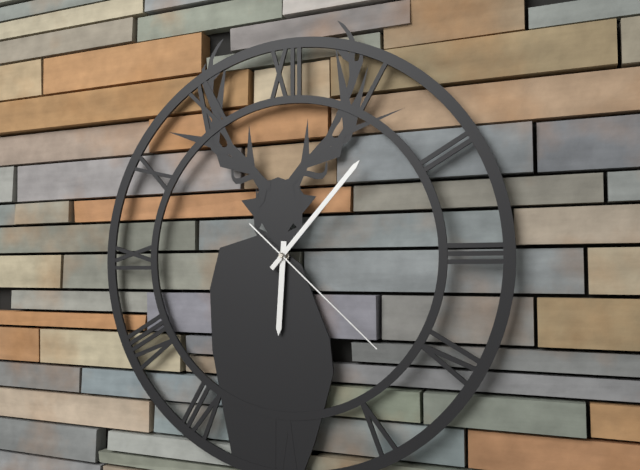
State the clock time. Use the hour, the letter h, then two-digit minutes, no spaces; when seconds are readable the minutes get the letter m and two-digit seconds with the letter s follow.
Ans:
6h07m22s
